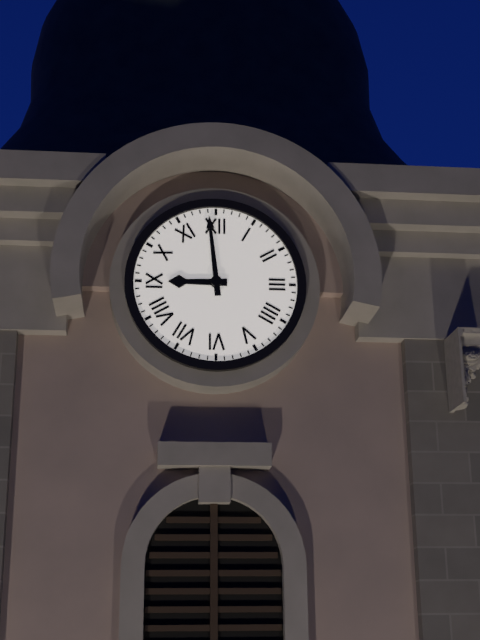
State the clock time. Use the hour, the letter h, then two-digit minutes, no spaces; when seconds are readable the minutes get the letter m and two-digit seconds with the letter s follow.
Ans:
8h59
